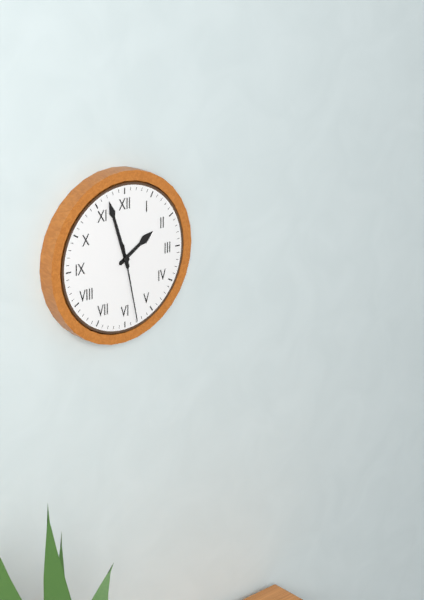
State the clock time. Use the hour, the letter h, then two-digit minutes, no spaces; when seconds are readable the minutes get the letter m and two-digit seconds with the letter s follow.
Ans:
1h57m28s
